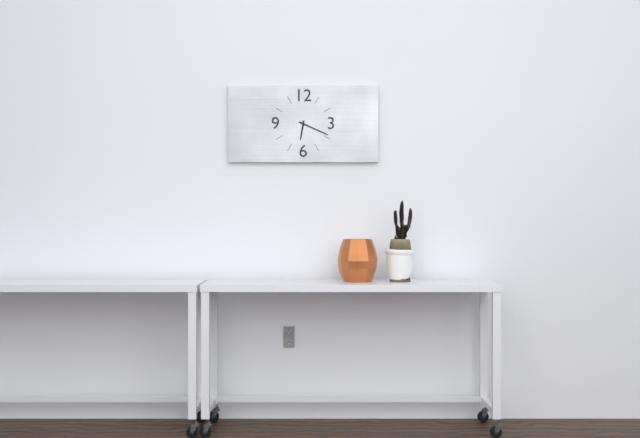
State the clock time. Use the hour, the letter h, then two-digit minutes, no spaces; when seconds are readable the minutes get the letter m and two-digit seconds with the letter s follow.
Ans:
6h19
